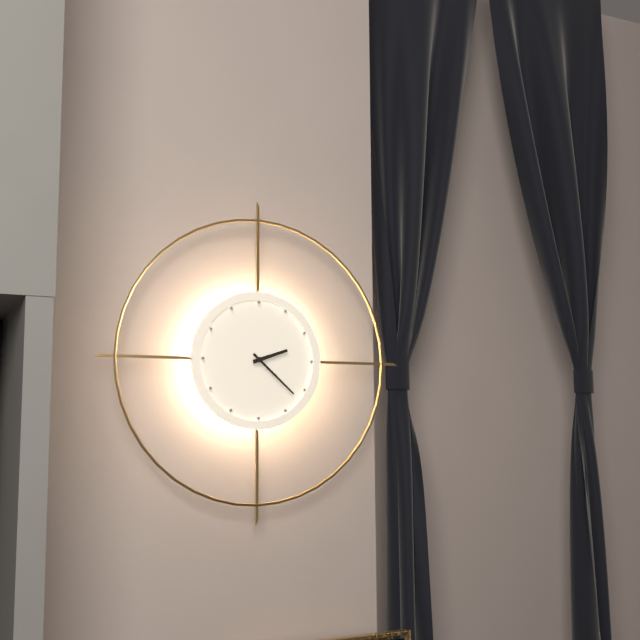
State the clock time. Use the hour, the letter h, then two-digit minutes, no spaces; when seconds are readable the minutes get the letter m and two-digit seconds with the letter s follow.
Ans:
2h22
